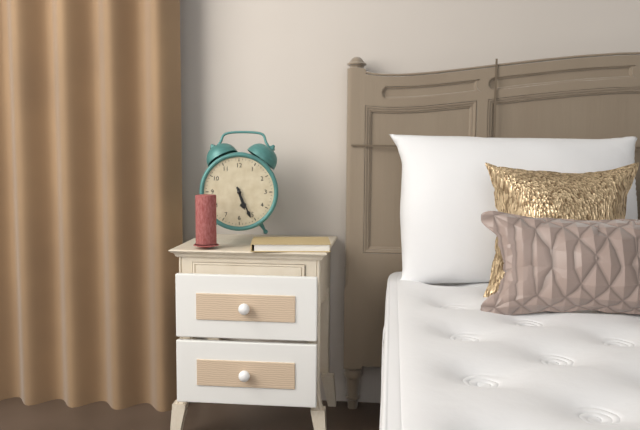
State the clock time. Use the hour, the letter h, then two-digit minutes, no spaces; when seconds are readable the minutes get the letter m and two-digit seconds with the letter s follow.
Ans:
5h26
